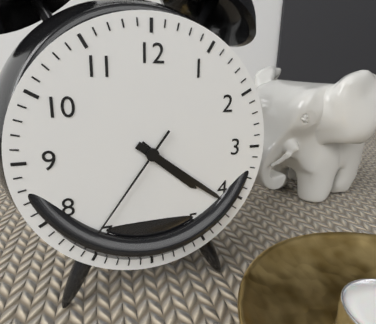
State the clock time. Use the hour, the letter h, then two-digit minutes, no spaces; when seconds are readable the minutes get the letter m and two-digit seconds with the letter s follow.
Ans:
4h21m36s
